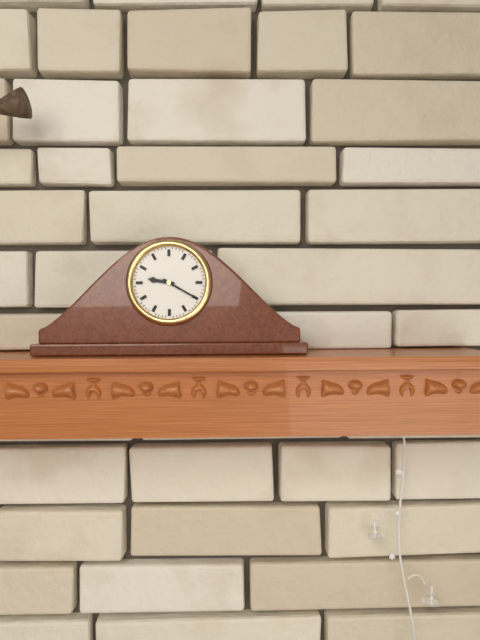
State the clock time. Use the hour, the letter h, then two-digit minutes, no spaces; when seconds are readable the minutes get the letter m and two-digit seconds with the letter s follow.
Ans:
9h20
